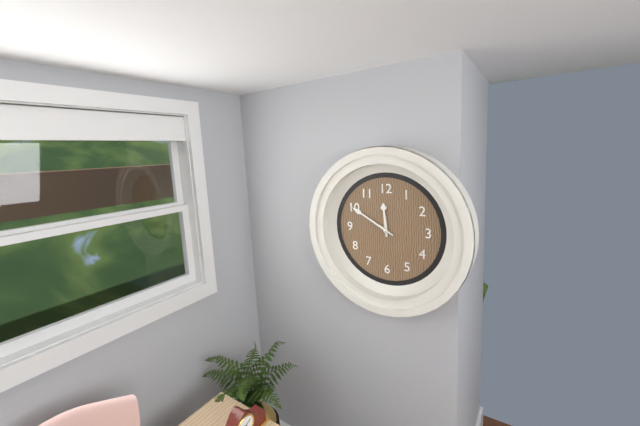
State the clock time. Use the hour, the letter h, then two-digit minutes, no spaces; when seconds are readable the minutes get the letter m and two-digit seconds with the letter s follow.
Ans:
11h50
